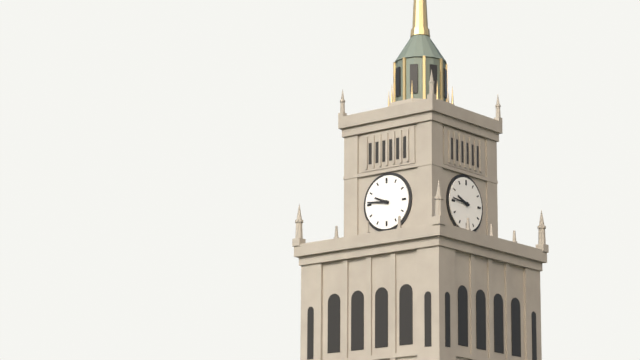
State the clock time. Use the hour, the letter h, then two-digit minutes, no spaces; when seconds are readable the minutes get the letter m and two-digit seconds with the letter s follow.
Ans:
9h46
